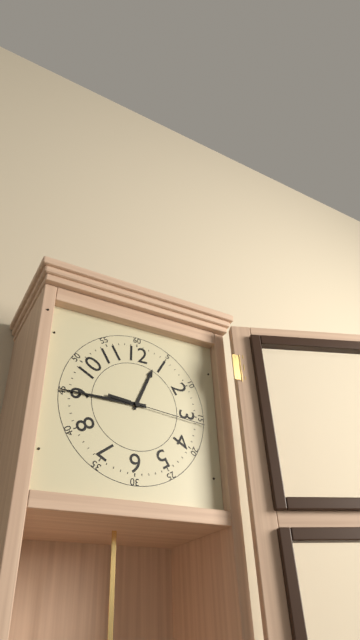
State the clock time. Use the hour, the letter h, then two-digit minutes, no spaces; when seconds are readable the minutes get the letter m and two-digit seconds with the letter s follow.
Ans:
12h45m16s
